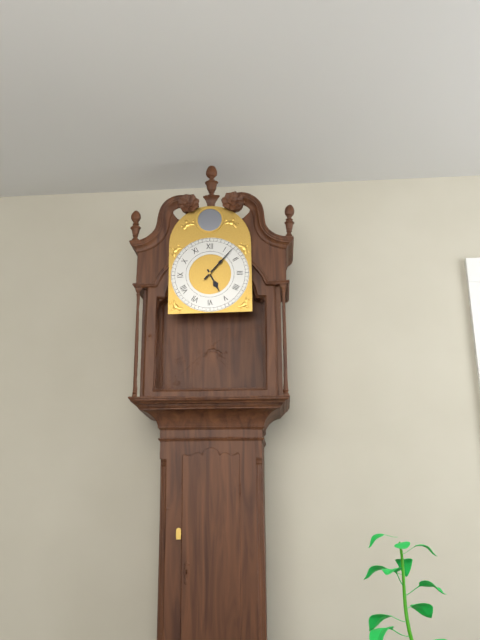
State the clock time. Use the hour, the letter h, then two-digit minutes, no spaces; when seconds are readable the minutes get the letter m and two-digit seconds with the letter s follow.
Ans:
5h07
